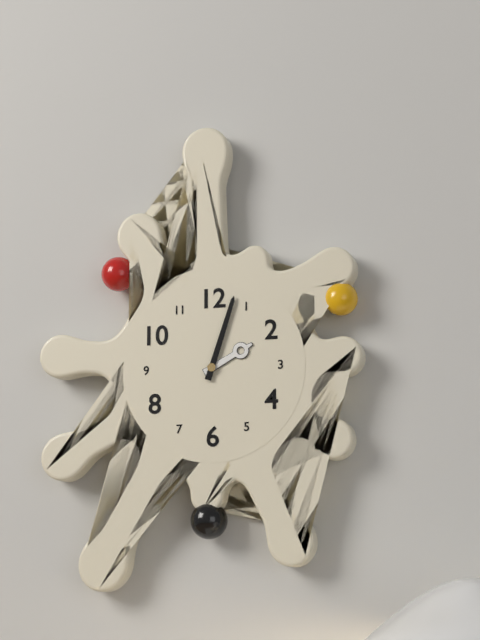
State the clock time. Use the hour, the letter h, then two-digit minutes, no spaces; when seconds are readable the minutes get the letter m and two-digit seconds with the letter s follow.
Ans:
2h03
